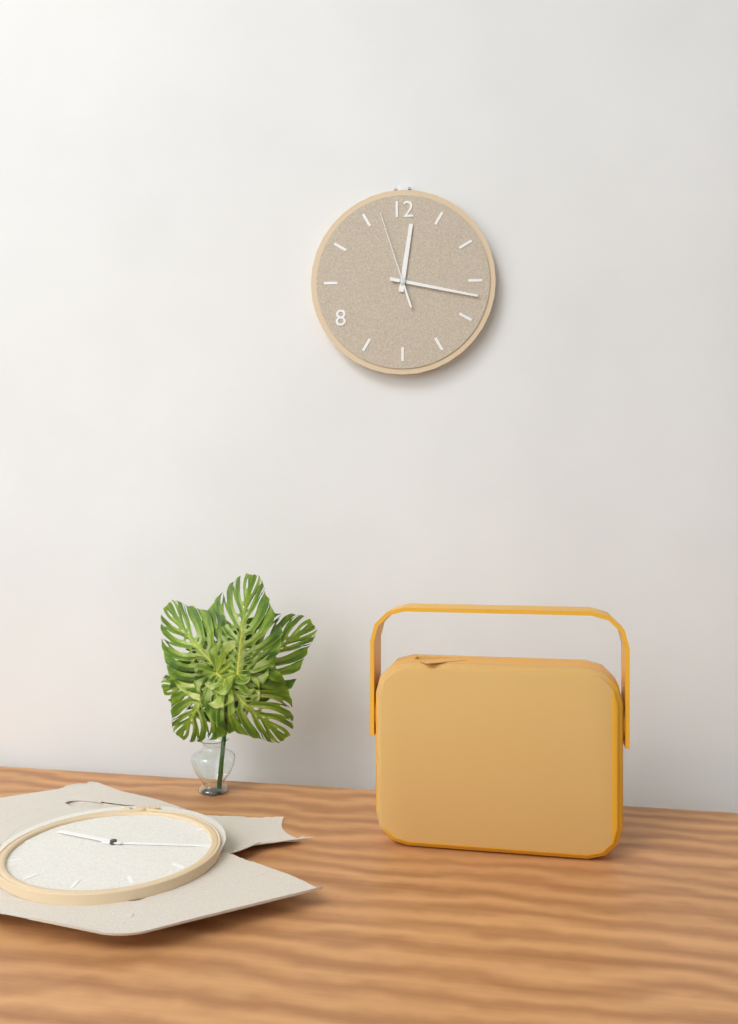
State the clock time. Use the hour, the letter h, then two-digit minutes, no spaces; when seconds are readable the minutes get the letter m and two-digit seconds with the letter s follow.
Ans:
12h17m57s
